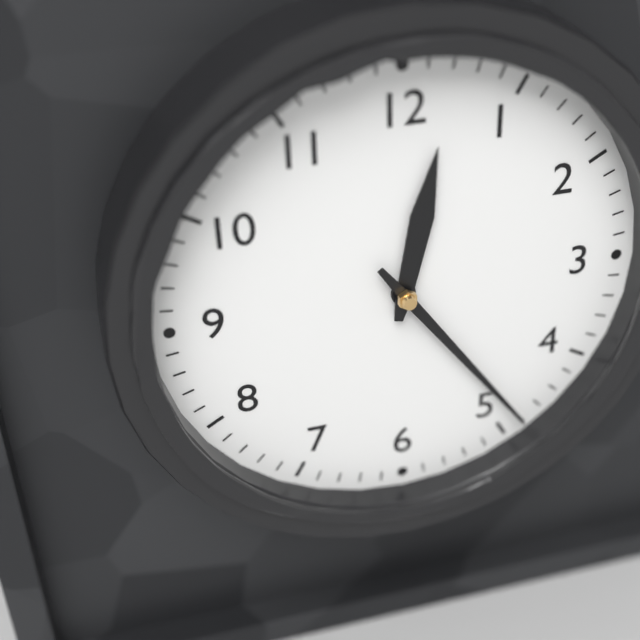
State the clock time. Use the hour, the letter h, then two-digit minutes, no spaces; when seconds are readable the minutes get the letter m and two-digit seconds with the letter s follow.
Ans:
12h24
